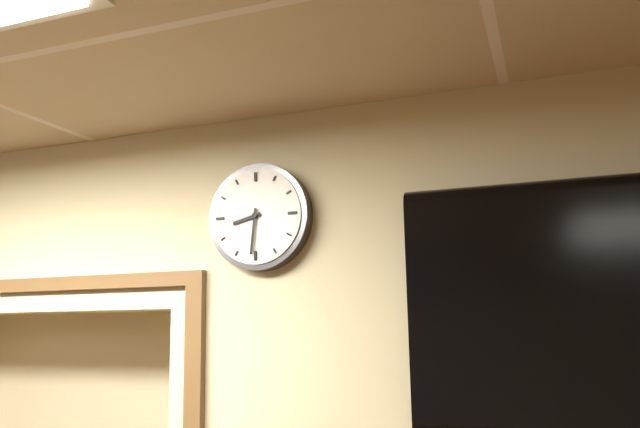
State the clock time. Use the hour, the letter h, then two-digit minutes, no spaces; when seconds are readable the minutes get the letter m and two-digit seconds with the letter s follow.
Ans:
8h31
